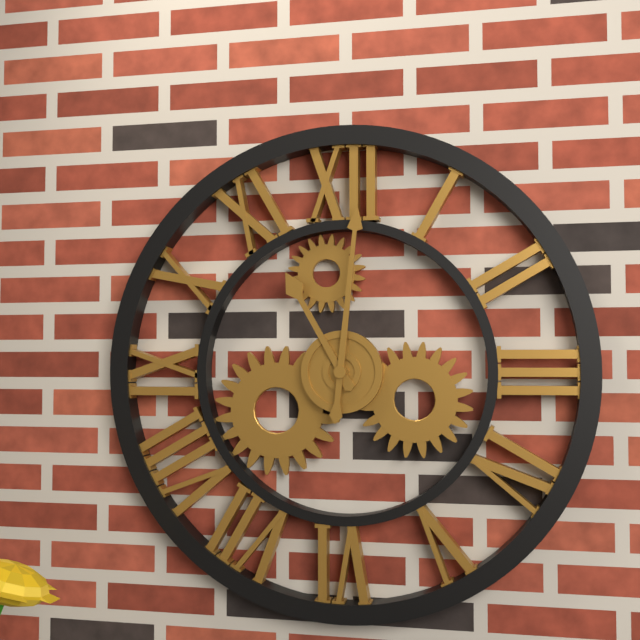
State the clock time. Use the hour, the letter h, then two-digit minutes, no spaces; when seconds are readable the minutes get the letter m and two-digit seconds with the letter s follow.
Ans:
11h01
